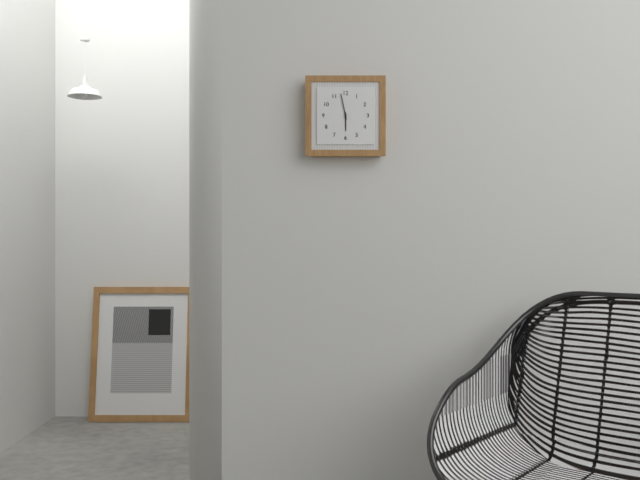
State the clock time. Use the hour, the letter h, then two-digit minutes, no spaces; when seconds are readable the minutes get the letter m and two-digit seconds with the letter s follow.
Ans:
5h58
